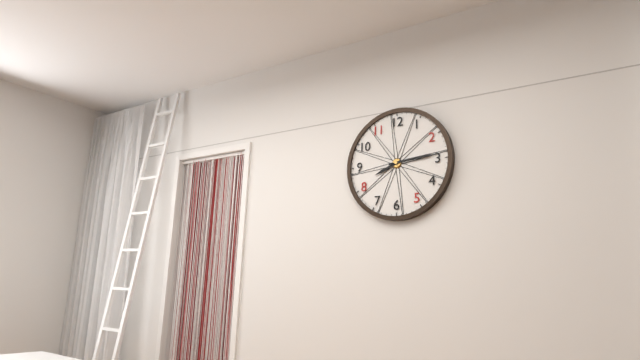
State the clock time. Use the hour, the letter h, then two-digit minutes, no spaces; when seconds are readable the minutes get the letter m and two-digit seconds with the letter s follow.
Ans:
8h14
